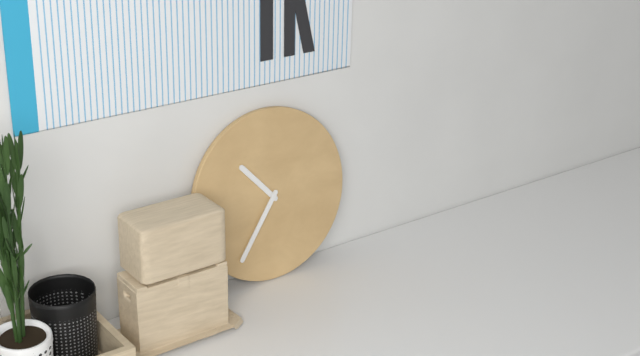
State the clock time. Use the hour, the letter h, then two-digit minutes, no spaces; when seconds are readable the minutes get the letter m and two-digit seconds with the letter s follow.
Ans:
10h36
